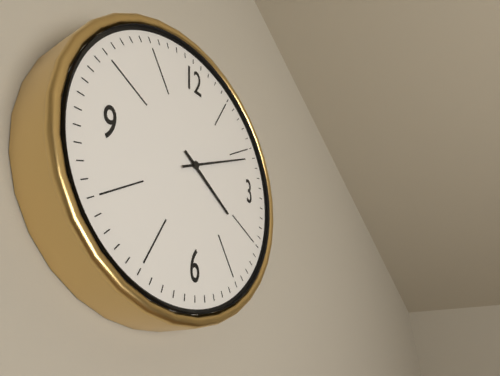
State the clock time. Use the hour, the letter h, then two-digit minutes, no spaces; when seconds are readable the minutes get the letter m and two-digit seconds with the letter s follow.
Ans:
4h11
